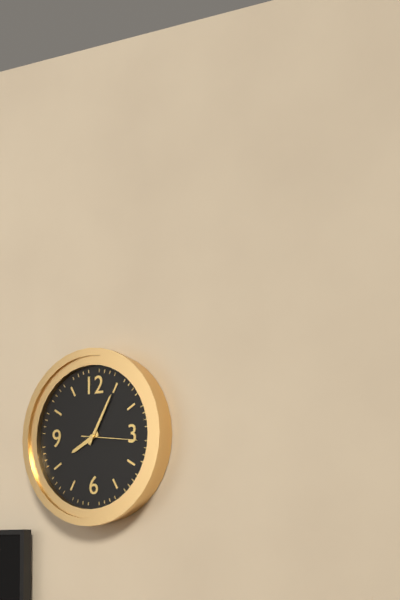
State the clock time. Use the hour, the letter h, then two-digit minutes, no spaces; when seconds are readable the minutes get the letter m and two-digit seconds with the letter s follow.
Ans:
8h05m16s
